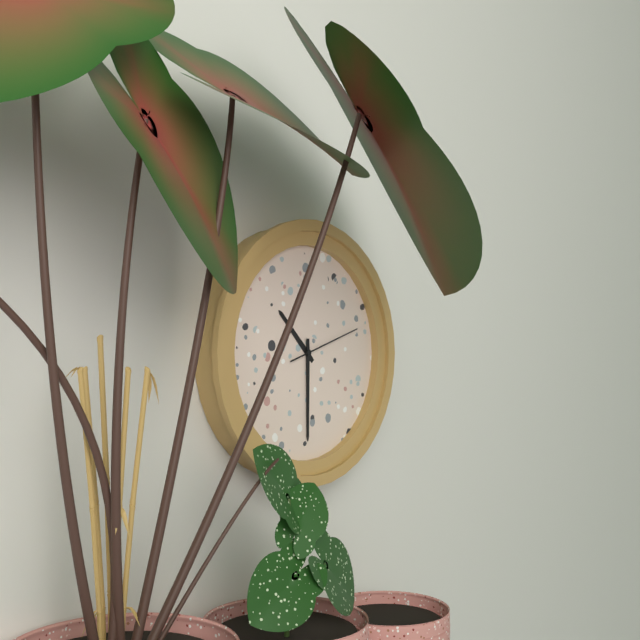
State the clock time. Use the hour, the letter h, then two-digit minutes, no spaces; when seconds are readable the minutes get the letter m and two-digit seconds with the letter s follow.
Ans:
10h30m12s
